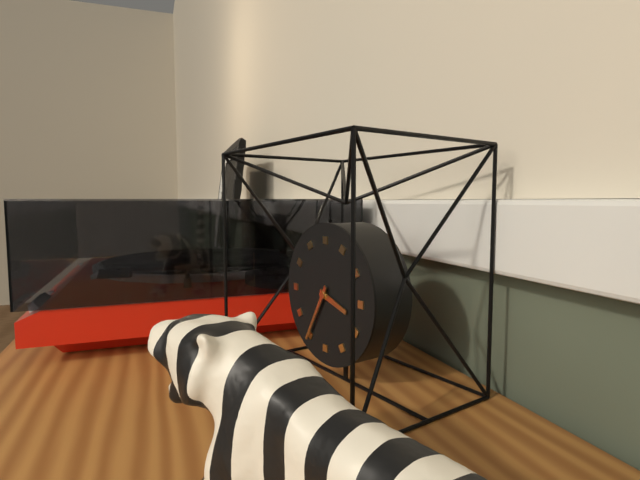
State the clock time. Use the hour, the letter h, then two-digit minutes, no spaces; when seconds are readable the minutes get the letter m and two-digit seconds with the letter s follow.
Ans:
3h35
